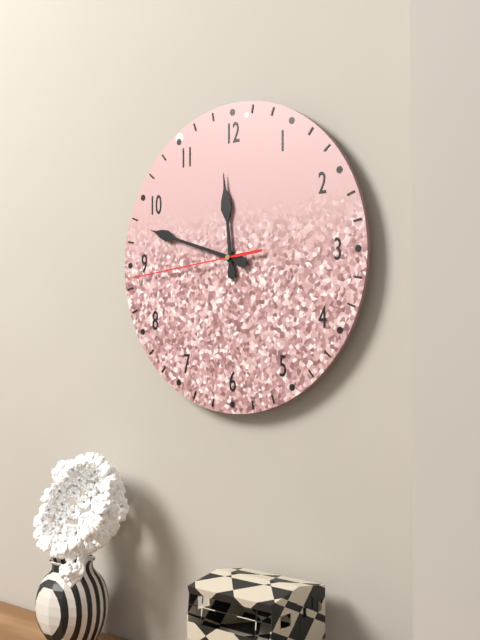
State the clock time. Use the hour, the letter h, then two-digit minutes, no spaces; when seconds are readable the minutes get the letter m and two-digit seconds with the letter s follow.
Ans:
11h48m44s
